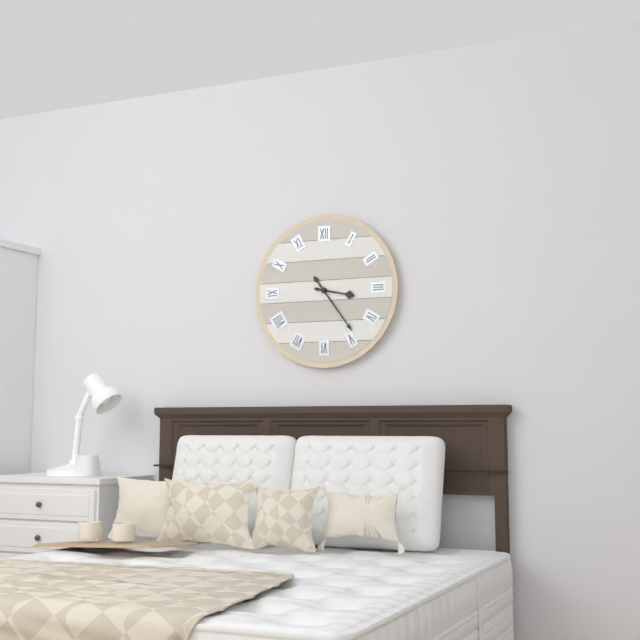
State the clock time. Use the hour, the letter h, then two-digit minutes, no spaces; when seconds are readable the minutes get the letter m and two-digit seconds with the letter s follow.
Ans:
3h24
